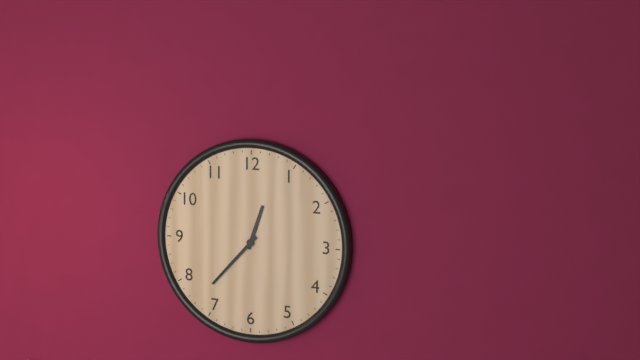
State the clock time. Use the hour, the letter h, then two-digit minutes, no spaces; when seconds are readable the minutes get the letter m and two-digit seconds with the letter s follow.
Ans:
12h37
